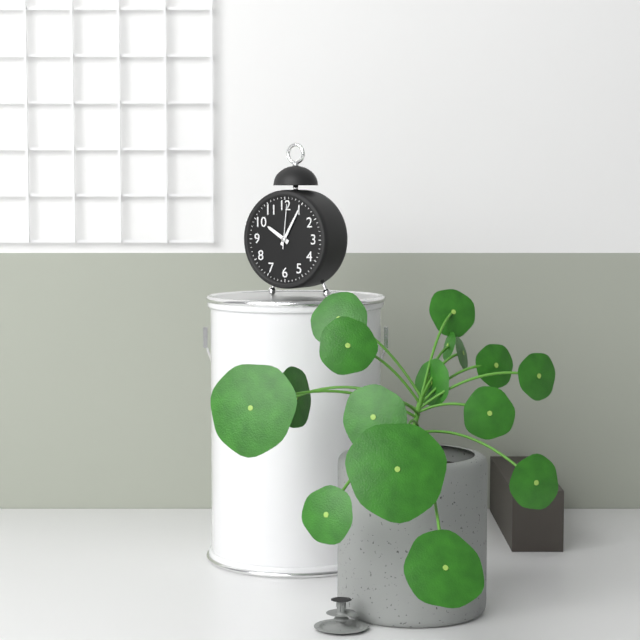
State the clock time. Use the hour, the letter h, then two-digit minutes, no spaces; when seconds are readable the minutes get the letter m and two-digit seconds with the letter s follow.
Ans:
10h05
